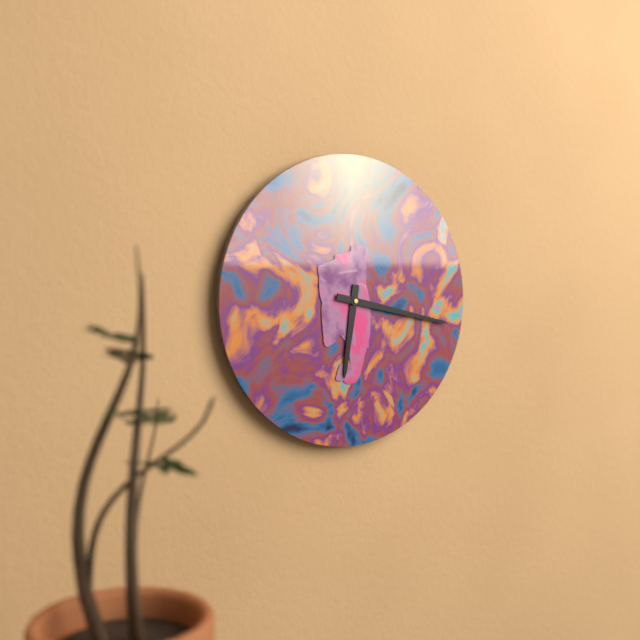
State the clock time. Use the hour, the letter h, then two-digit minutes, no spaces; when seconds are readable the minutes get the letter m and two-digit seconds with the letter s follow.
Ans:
6h17
